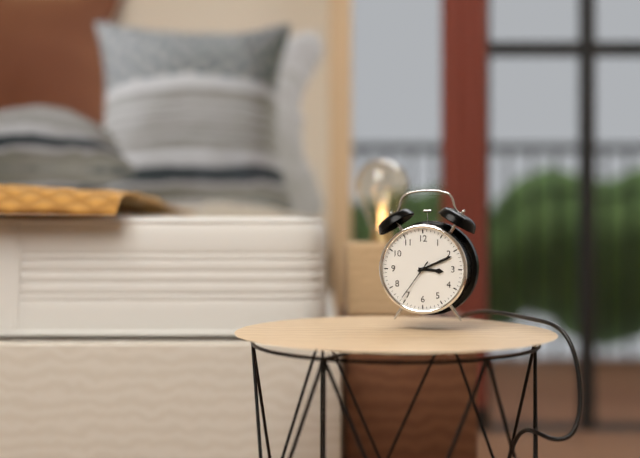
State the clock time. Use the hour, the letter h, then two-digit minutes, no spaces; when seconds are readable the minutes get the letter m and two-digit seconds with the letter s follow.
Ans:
3h11
